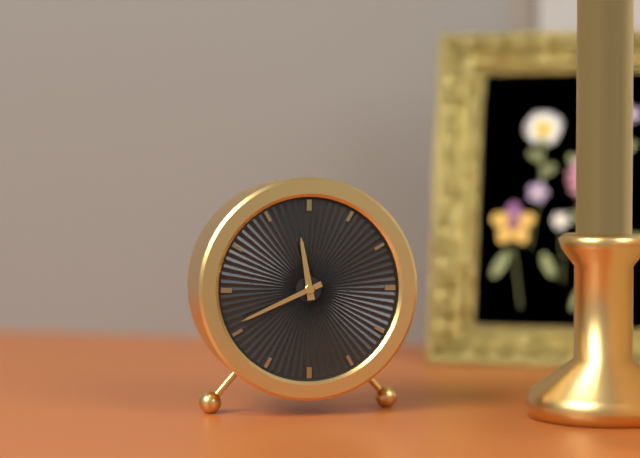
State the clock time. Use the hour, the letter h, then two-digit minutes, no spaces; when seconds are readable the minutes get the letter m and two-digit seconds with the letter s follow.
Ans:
11h41
